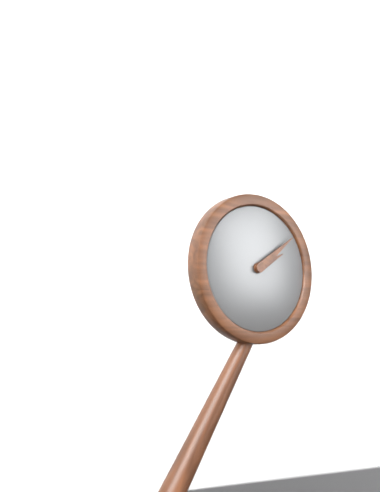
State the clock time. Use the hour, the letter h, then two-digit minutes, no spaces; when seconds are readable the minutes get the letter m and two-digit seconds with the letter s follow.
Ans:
2h09
